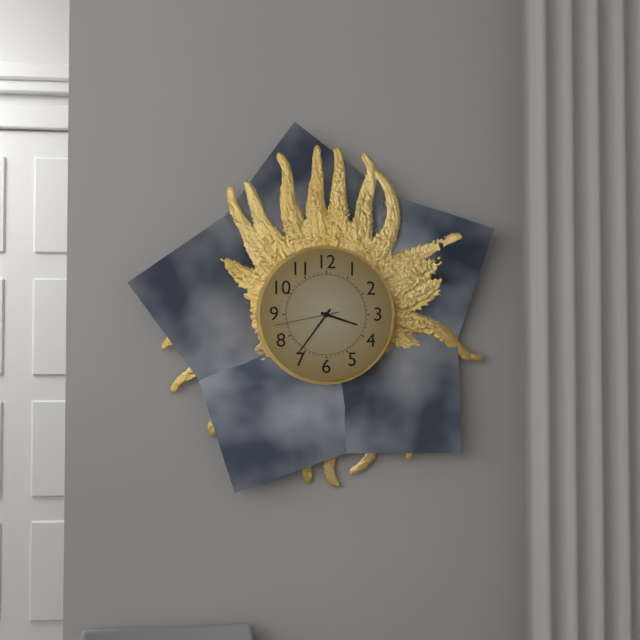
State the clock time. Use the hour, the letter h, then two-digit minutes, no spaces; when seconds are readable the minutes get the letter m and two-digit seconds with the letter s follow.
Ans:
3h36m43s
